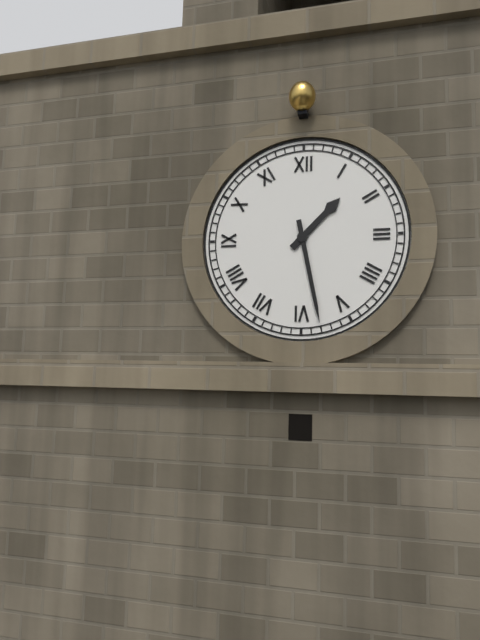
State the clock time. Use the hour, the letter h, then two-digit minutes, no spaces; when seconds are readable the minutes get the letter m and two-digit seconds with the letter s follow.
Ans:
1h28
